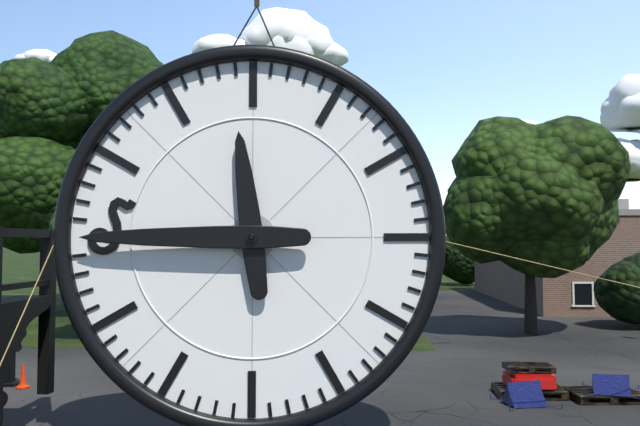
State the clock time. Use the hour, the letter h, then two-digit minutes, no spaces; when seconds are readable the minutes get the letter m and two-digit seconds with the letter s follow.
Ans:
11h45
